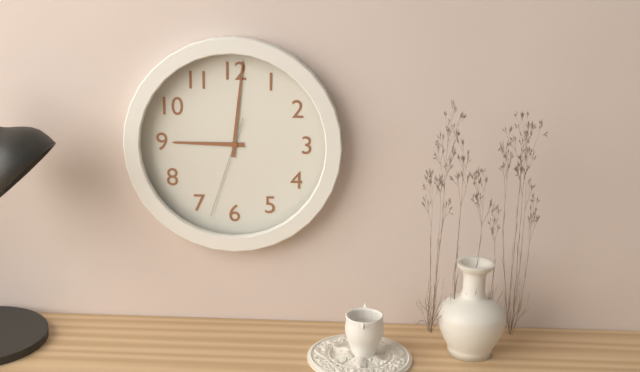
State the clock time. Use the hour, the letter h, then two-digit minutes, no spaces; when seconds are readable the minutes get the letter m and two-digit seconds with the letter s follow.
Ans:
9h01m33s
